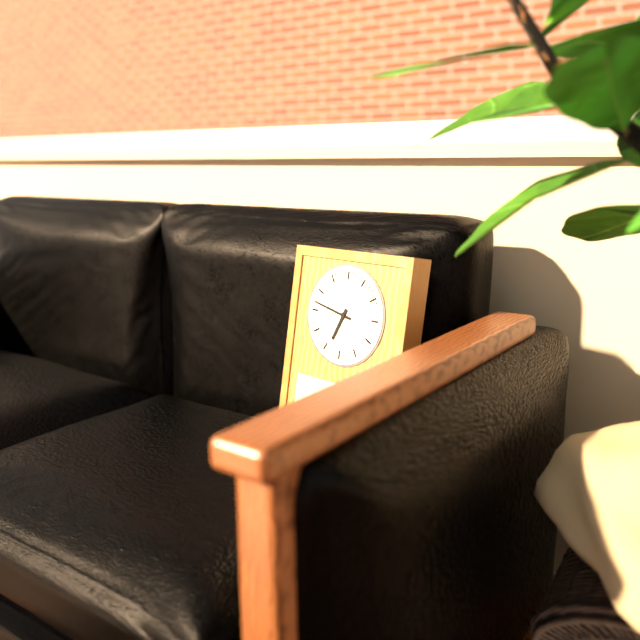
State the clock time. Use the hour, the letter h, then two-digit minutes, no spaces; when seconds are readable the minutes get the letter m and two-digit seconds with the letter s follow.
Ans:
6h47
